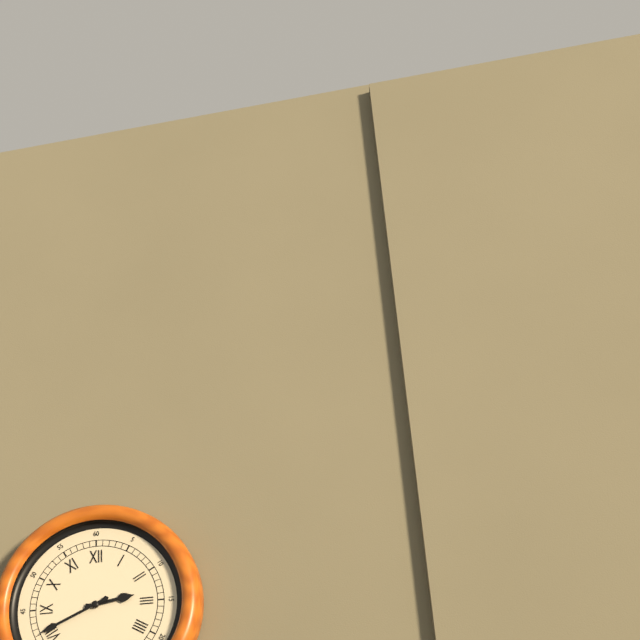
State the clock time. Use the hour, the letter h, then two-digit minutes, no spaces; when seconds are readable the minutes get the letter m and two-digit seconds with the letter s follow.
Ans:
2h41
